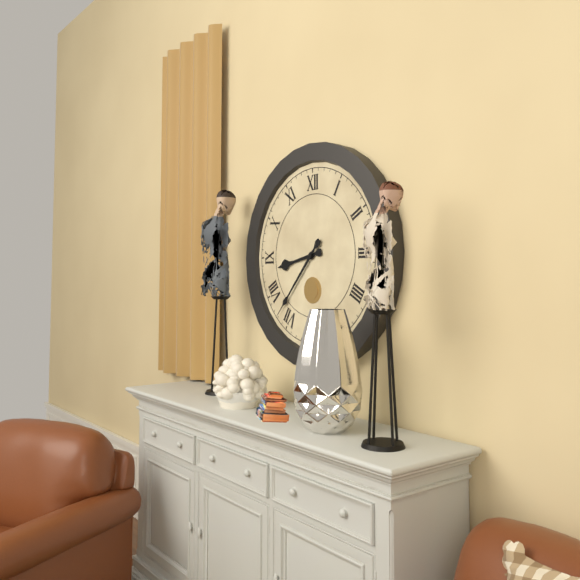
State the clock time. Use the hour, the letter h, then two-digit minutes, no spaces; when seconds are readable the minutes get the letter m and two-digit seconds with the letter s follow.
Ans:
8h37
